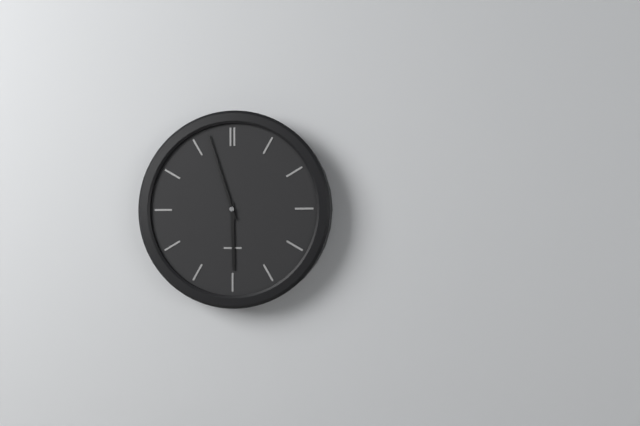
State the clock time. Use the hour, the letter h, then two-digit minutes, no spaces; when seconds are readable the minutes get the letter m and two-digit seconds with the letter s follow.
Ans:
5h57
